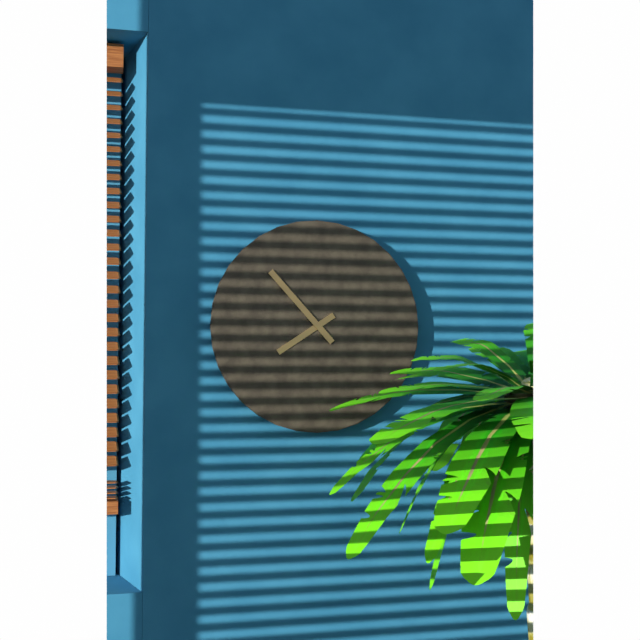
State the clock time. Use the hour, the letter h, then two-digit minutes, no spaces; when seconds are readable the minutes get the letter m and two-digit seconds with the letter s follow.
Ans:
7h53
